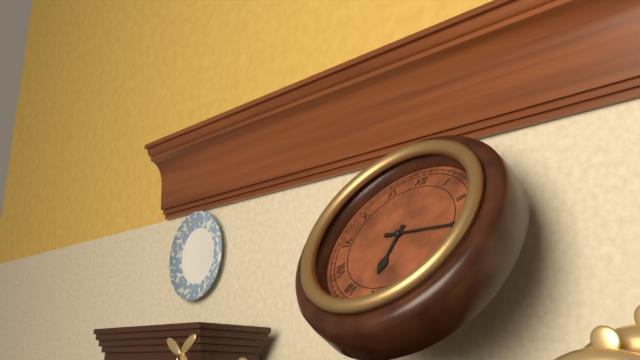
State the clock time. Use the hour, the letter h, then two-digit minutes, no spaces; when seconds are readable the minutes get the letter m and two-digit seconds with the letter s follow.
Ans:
6h15
